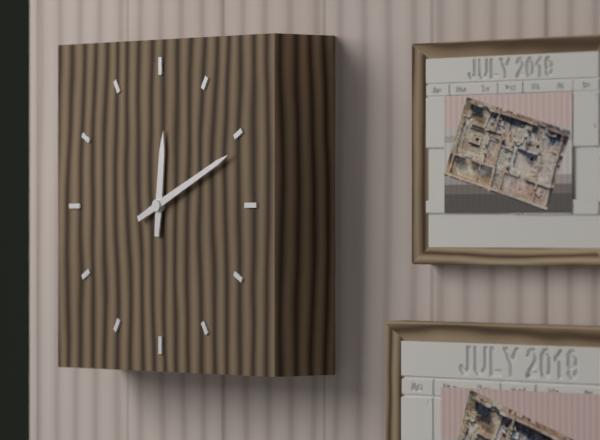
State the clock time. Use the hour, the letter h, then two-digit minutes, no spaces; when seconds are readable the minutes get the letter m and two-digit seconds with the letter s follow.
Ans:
12h11
